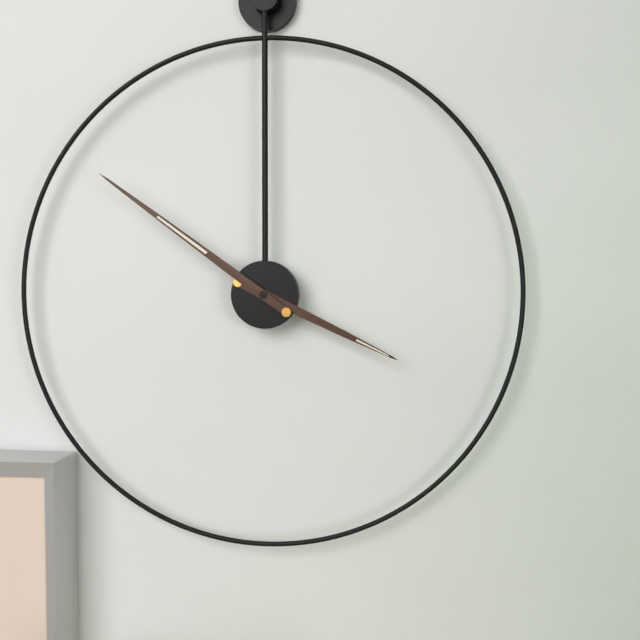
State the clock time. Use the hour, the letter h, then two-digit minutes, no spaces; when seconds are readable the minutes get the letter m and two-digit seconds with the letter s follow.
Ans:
3h51
